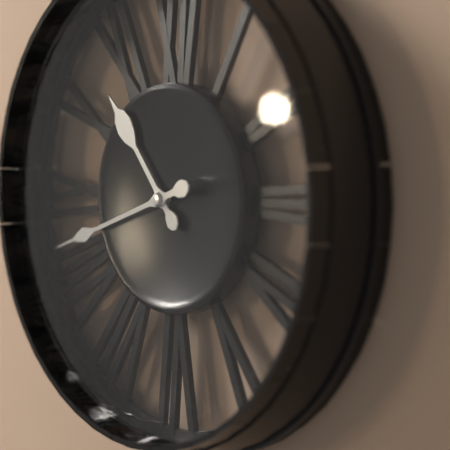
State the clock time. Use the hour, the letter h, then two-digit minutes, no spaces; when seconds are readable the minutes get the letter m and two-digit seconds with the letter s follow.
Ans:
10h42
